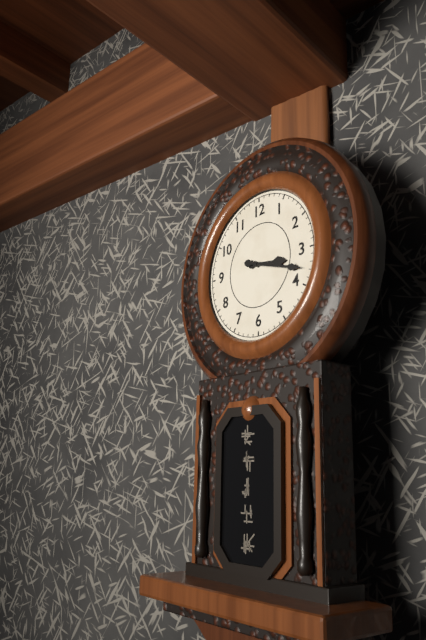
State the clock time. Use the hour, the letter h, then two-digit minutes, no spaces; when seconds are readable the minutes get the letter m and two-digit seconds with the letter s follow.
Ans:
3h18
